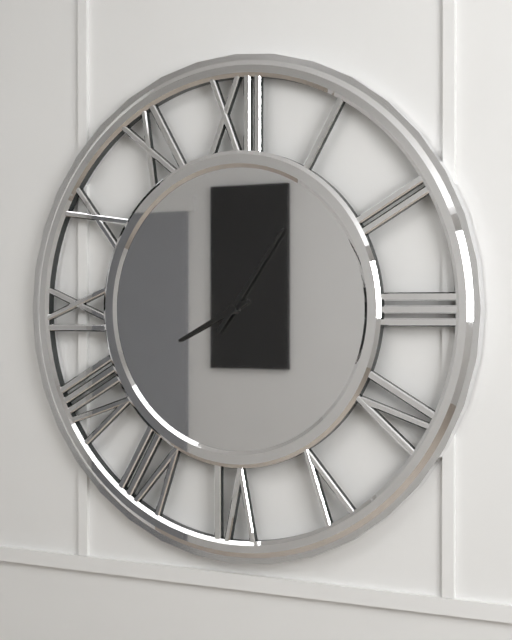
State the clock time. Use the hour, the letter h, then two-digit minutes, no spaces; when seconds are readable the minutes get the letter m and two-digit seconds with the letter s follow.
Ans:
8h06
